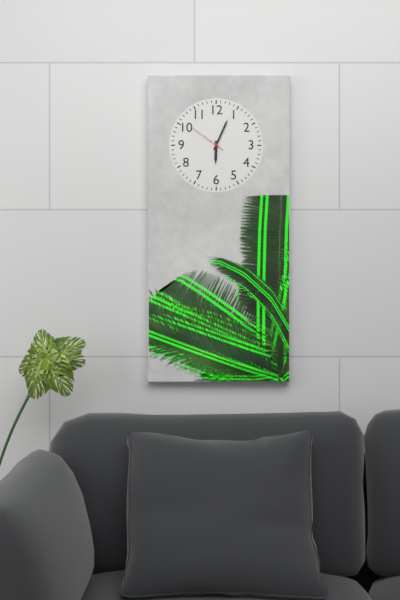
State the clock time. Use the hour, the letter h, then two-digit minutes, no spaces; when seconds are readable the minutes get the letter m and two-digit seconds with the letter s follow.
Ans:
6h04
